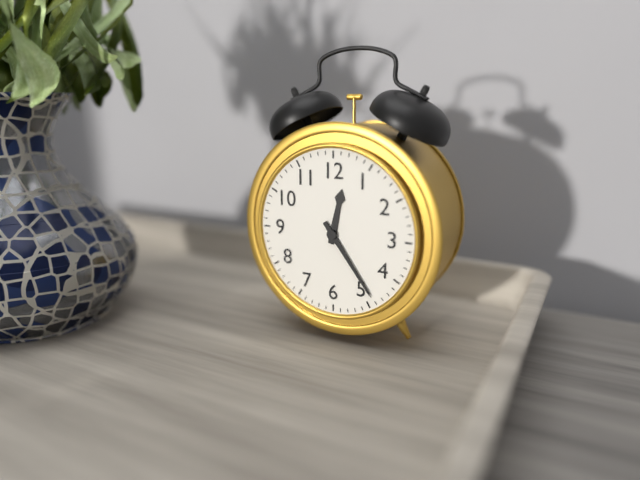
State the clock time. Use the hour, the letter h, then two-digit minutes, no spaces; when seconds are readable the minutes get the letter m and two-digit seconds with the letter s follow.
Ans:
12h24
